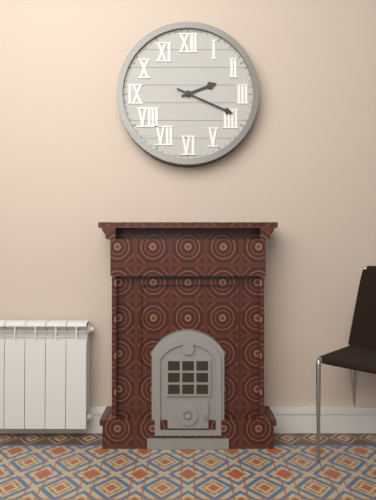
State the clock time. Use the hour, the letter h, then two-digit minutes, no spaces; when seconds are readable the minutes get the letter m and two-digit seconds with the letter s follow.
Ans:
2h19
